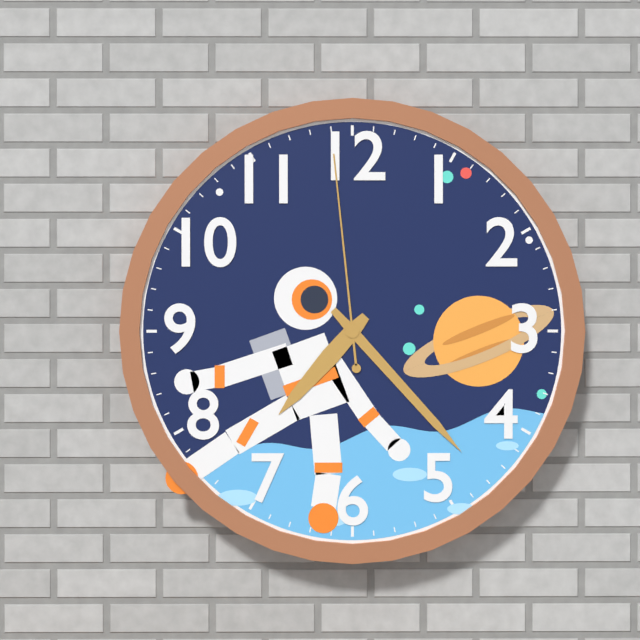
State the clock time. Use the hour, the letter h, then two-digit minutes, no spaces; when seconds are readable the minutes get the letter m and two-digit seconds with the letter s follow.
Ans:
7h23m59s
